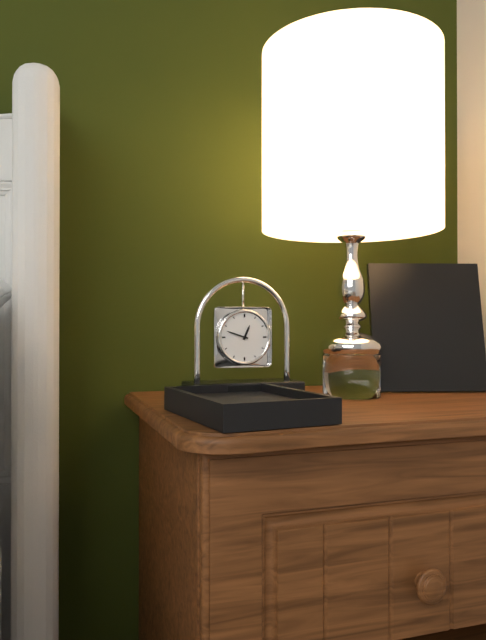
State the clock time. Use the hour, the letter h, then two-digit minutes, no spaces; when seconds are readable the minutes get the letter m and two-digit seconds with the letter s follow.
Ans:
12h48
